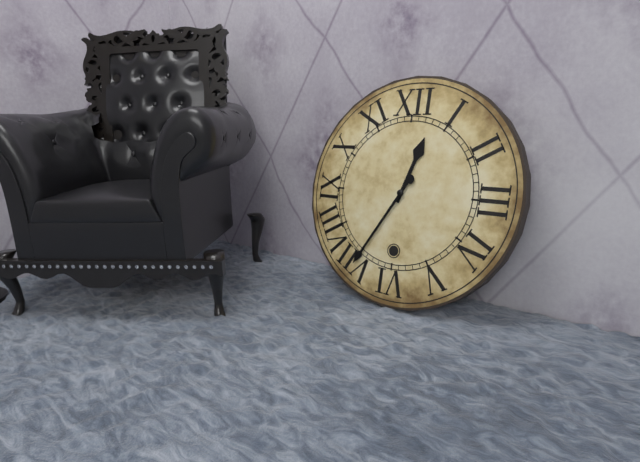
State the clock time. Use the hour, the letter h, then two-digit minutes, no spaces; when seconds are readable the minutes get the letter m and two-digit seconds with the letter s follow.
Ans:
12h35
